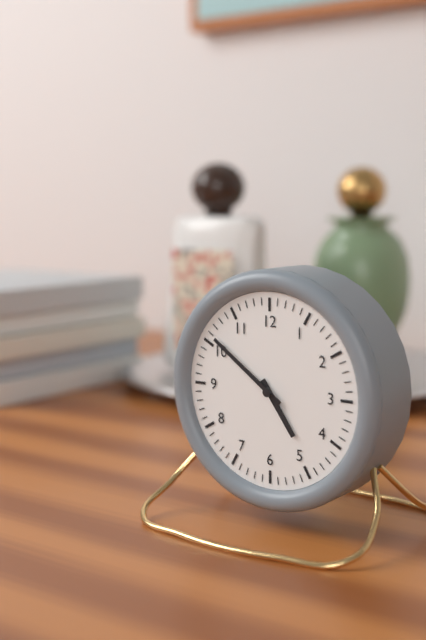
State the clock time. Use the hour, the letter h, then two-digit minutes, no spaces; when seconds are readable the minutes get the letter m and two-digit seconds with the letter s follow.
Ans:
4h51
